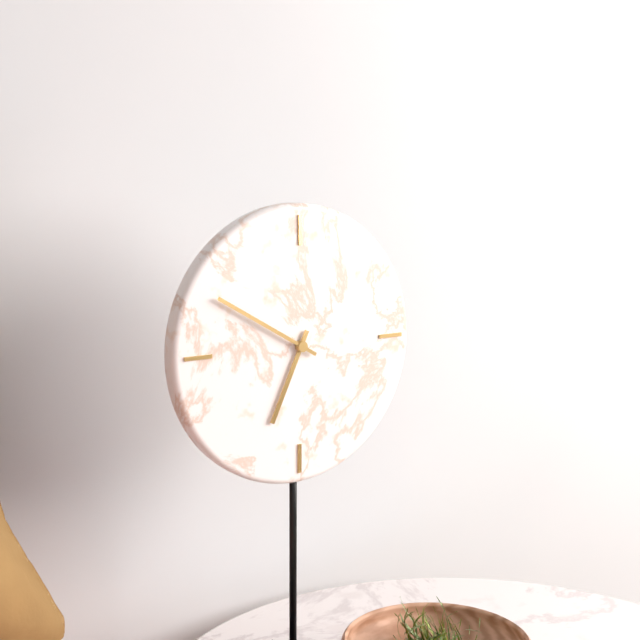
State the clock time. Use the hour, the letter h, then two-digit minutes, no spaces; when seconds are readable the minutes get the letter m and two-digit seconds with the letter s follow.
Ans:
6h50
